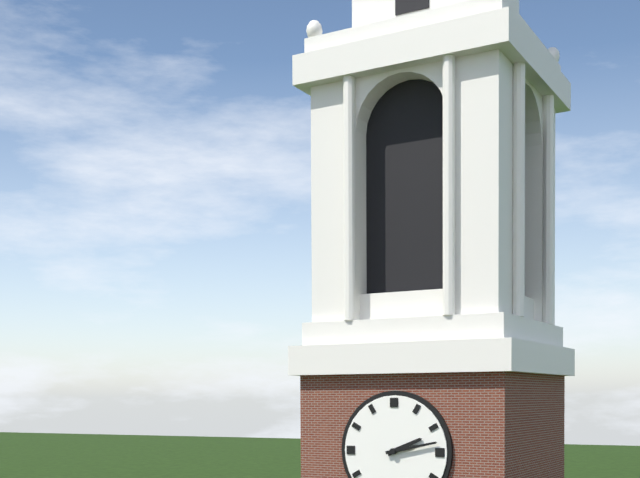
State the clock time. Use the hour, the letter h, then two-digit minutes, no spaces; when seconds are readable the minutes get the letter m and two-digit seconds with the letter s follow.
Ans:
2h13
